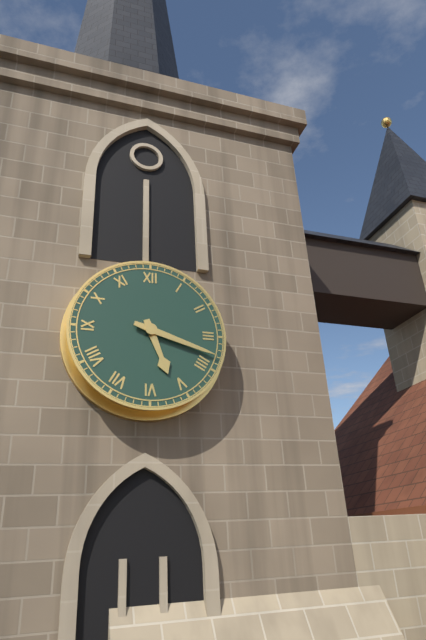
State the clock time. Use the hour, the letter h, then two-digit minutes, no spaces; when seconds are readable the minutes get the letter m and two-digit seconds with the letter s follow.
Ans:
5h18
